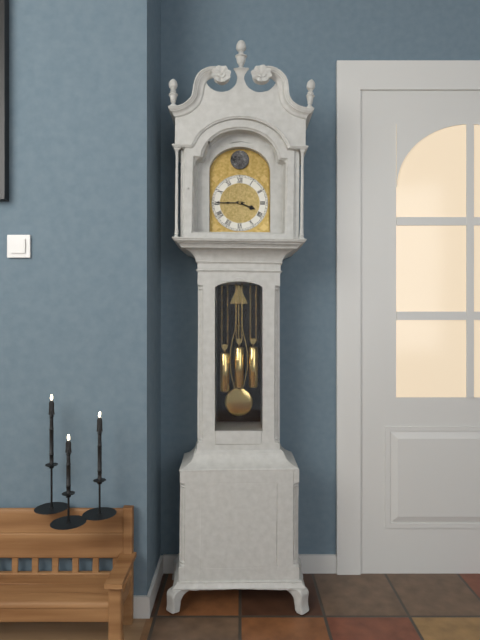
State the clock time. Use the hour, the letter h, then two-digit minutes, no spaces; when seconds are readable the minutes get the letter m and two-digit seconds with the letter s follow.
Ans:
3h45
